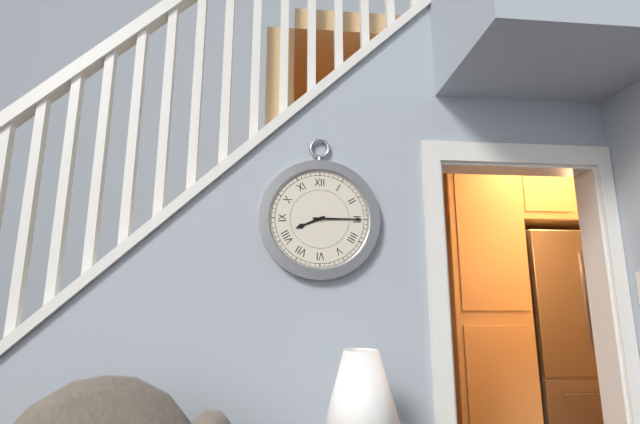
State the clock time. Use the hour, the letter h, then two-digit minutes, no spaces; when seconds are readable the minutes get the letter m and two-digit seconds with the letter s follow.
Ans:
8h15
